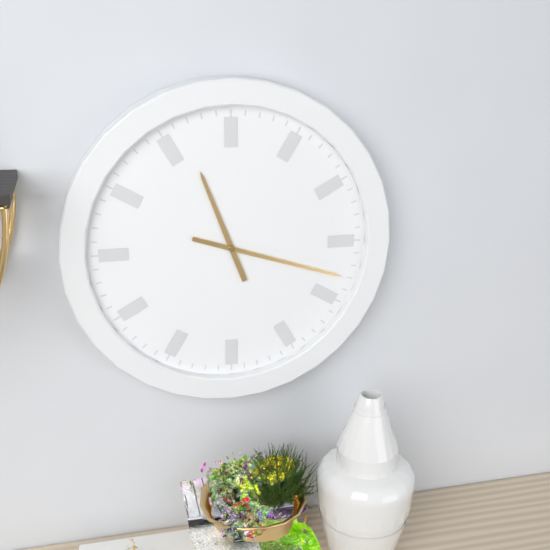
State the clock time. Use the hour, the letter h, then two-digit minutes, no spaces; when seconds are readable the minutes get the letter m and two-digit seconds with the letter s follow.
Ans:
11h18
